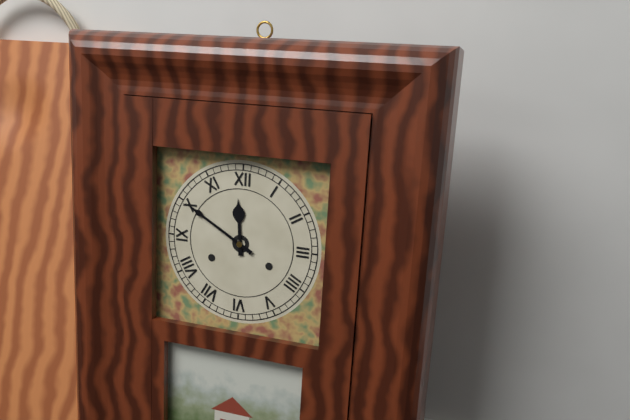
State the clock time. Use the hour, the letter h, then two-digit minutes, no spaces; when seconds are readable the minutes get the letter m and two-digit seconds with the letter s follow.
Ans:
11h50
